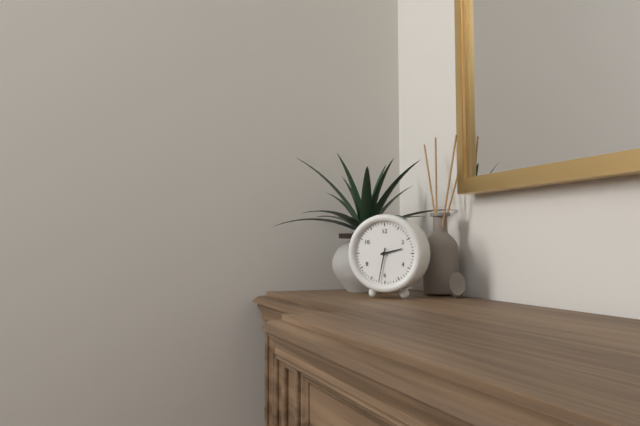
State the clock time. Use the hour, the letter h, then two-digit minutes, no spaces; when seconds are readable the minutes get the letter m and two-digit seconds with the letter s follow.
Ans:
2h32
